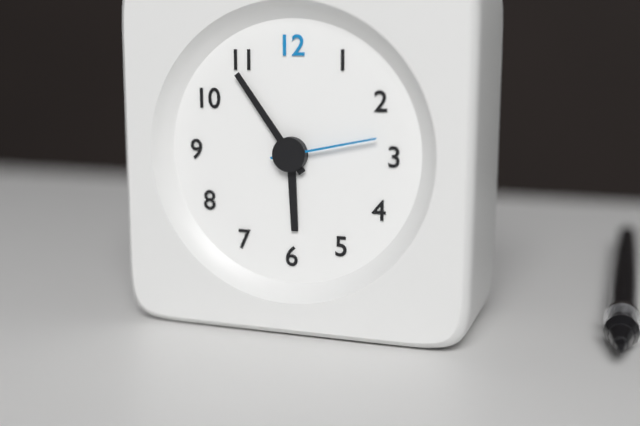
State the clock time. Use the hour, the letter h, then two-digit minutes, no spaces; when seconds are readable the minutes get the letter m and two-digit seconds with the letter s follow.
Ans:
5h54m13s
